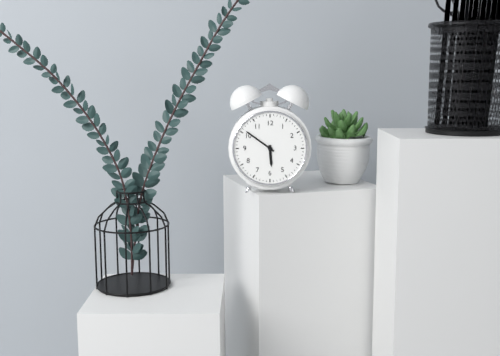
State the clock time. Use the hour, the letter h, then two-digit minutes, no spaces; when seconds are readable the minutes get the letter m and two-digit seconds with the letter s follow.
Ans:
5h51
